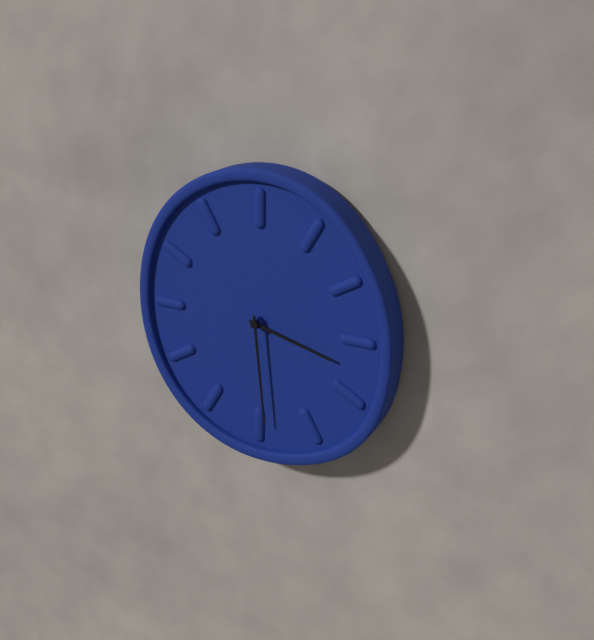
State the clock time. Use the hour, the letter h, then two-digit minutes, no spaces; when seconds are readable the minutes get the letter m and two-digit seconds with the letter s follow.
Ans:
3h29
